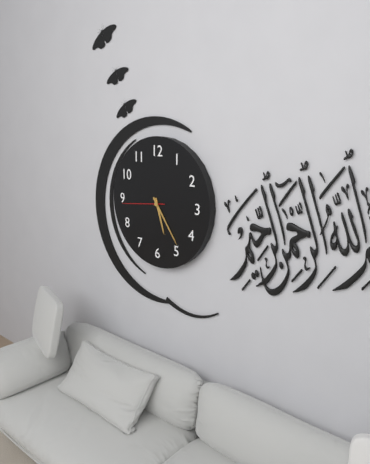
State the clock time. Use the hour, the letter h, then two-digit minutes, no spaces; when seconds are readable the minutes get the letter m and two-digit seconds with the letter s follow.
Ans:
5h24
